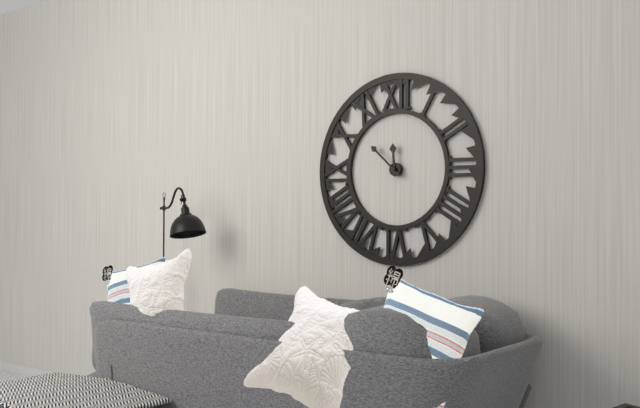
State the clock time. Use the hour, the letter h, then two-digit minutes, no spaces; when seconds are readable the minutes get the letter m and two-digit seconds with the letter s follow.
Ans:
11h52
